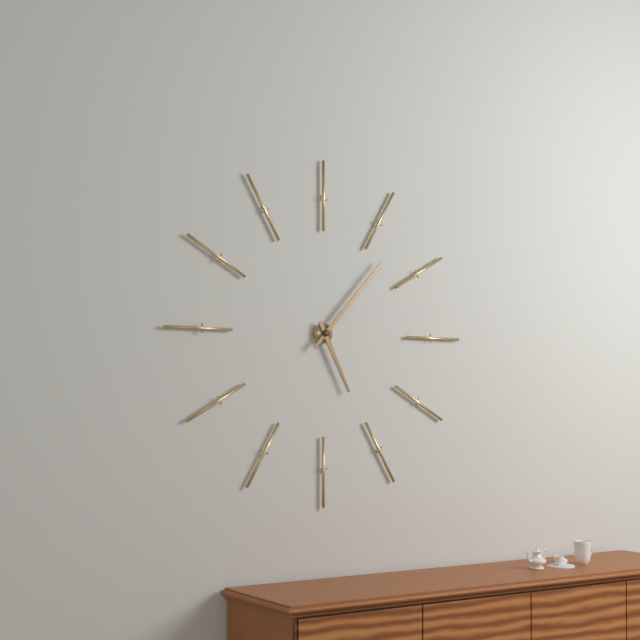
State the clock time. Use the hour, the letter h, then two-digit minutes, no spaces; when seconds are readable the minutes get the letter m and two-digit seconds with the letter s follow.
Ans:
5h07
